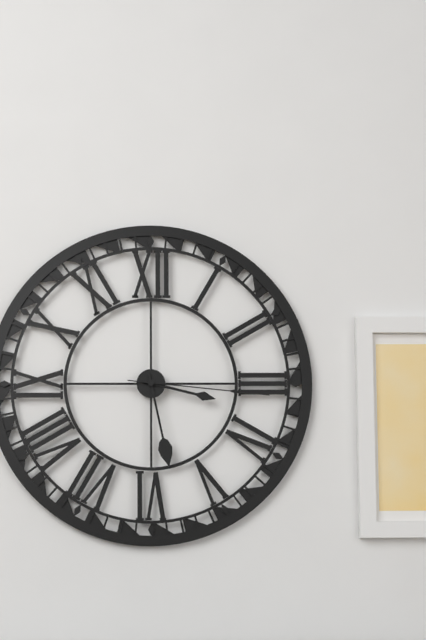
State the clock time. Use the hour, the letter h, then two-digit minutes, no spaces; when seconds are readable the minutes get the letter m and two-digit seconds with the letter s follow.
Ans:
3h28m16s
